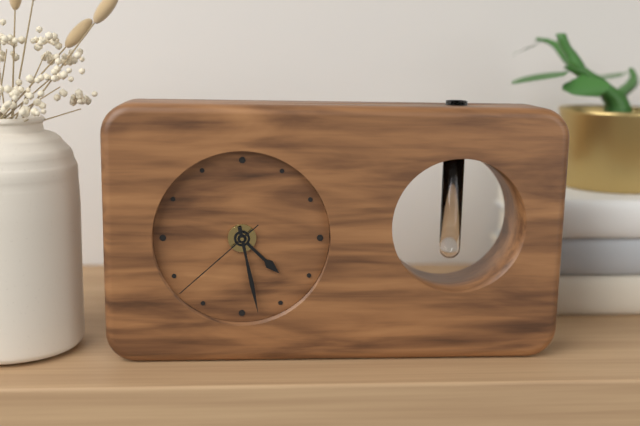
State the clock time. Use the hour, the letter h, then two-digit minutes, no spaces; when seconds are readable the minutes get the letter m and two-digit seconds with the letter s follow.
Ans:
4h28m38s
